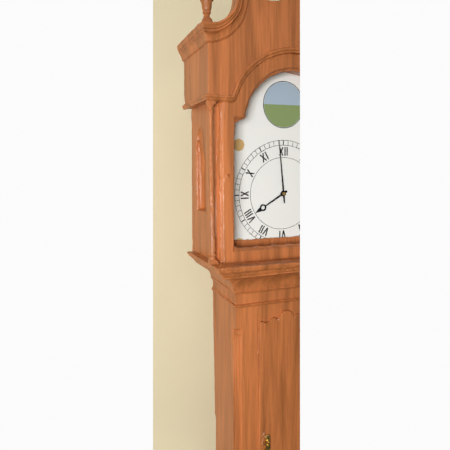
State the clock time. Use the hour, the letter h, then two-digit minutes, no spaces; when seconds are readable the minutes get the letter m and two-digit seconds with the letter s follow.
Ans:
7h59
